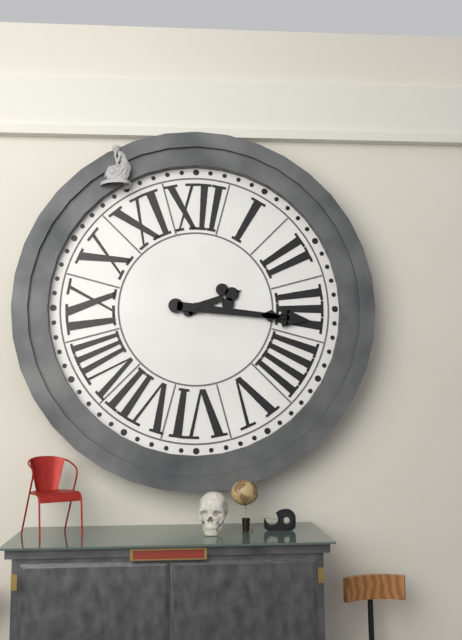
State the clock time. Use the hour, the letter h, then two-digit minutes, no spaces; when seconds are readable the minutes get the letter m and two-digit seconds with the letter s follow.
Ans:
2h16
